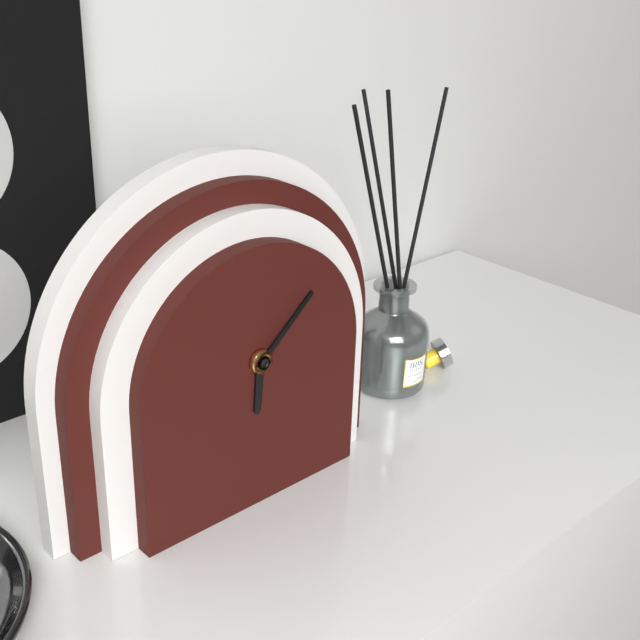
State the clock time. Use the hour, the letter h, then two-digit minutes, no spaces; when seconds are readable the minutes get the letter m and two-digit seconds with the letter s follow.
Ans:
6h08
